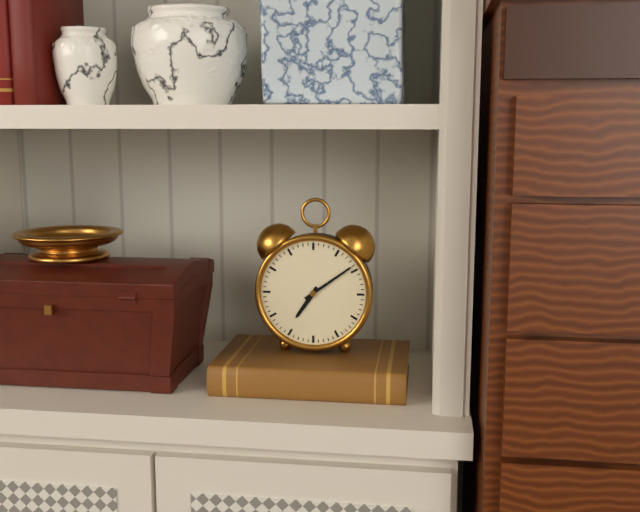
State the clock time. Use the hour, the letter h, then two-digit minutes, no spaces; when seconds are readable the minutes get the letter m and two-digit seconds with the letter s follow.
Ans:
7h09
